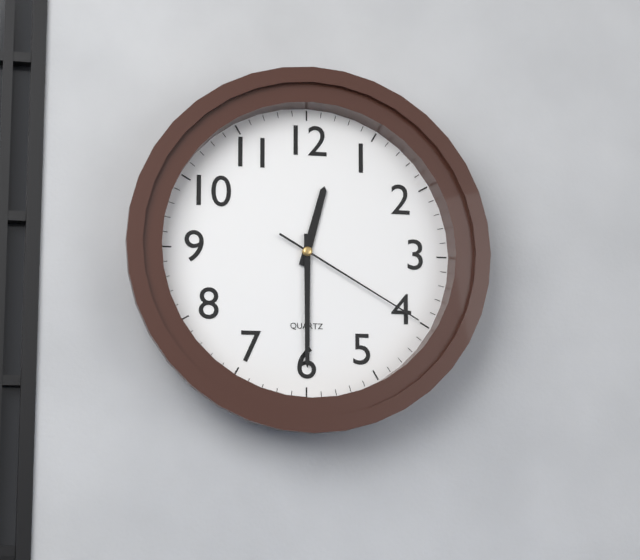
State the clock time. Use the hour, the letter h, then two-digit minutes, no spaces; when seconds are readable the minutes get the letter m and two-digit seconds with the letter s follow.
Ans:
12h30m20s
